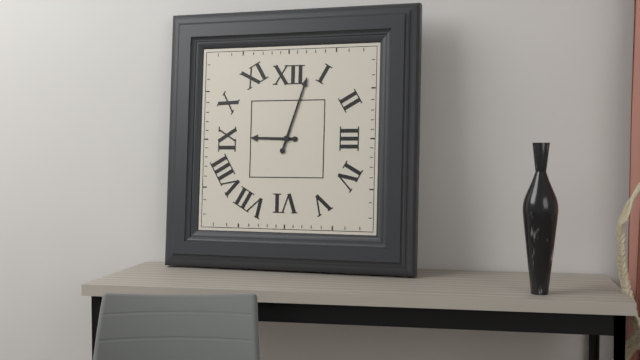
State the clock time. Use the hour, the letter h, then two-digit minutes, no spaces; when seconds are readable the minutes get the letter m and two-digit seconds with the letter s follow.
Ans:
9h03
